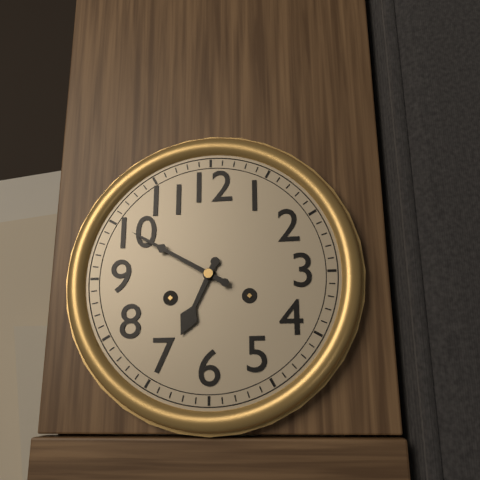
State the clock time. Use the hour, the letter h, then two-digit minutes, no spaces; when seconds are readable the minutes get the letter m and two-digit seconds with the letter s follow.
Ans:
6h50
